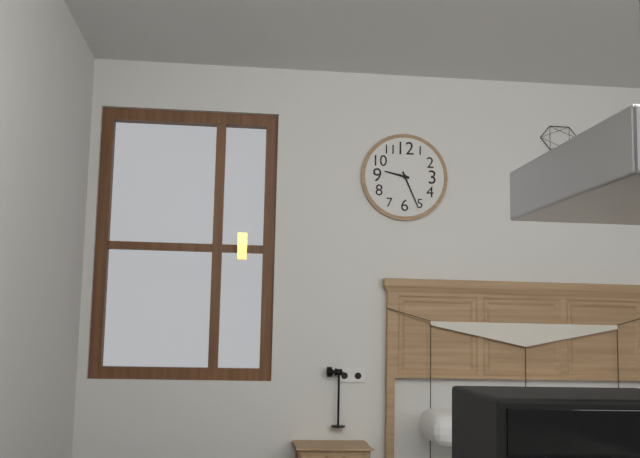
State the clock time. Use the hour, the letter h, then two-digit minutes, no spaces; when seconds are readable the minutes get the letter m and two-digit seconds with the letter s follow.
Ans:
9h26
